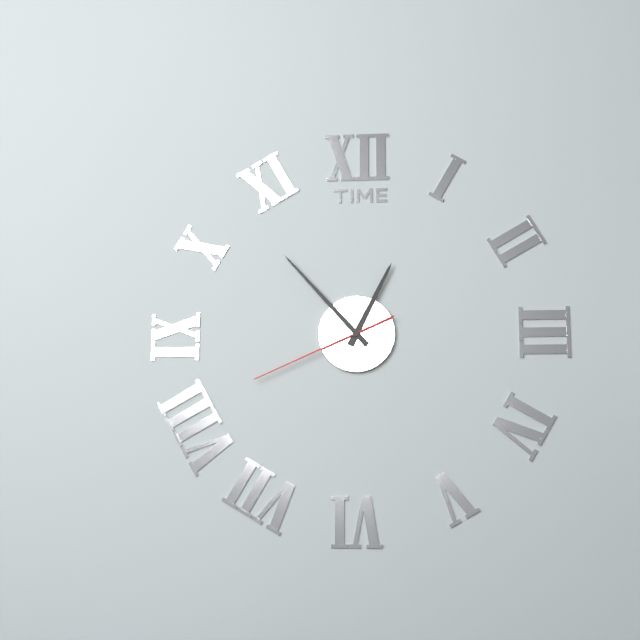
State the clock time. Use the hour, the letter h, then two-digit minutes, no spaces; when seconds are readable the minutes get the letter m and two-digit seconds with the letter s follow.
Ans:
12h53m41s
